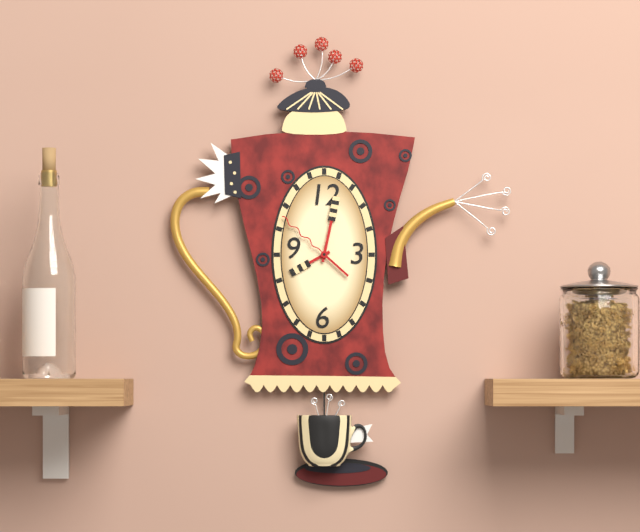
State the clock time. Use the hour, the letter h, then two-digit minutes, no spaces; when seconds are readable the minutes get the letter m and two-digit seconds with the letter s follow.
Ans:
8h02m52s
